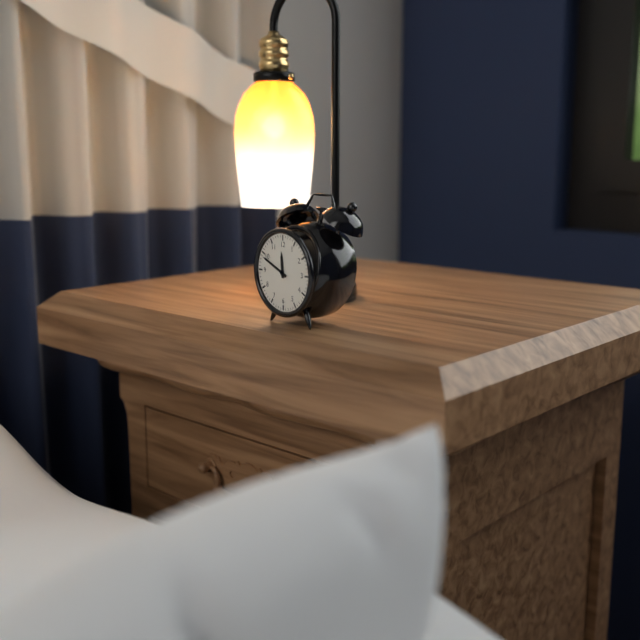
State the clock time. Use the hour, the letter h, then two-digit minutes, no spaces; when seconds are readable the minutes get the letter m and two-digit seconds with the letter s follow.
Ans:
11h49
